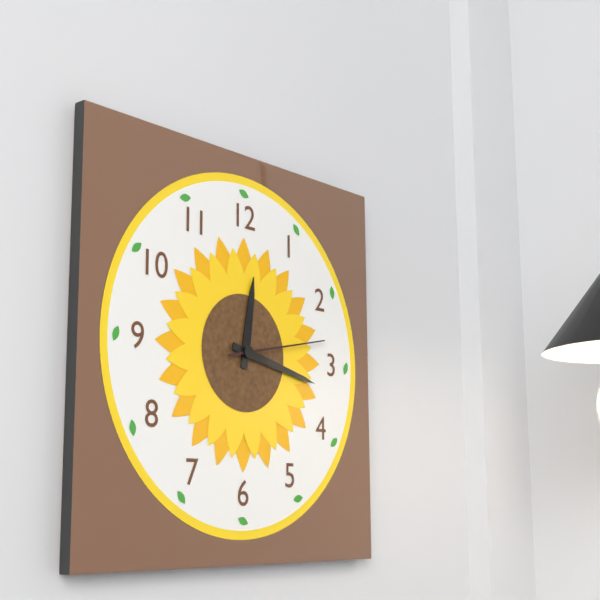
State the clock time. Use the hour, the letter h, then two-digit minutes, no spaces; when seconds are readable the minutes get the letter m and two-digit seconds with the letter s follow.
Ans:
12h17m13s
